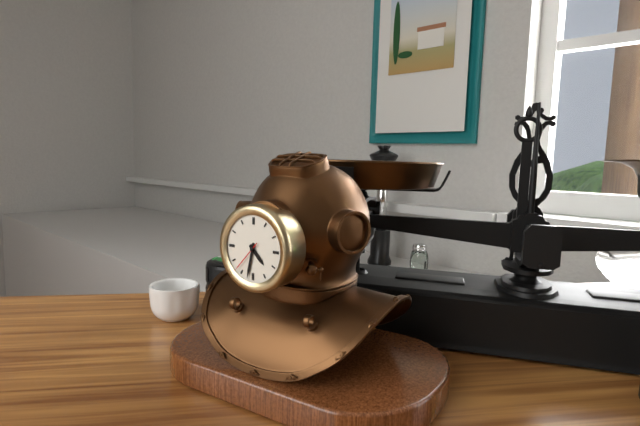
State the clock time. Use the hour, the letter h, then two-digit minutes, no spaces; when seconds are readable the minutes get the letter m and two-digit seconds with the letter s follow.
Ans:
4h32
